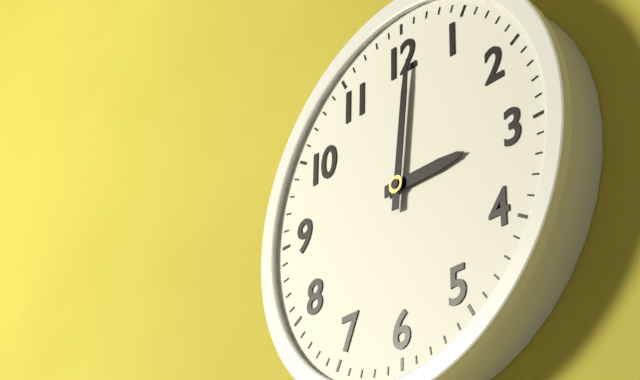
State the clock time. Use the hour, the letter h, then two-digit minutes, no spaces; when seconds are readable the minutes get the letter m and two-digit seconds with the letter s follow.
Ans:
3h01
